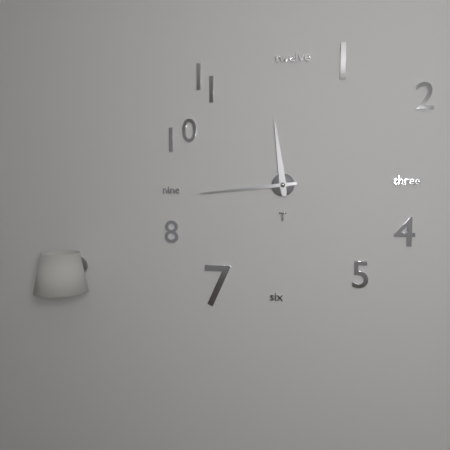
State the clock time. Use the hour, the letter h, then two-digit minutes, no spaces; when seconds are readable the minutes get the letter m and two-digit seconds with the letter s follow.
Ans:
11h44
